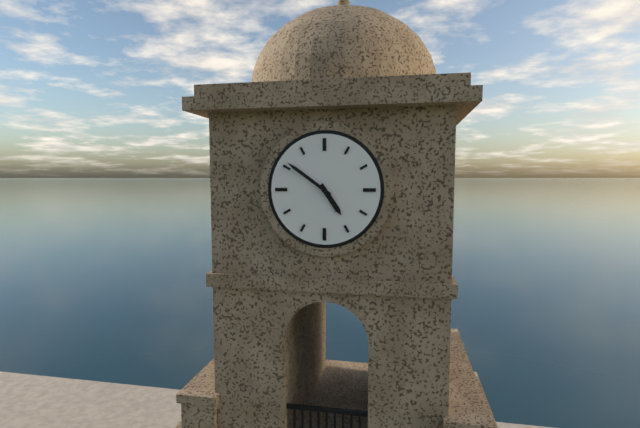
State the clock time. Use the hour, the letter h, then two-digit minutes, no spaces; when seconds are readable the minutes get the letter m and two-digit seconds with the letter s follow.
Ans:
4h51
